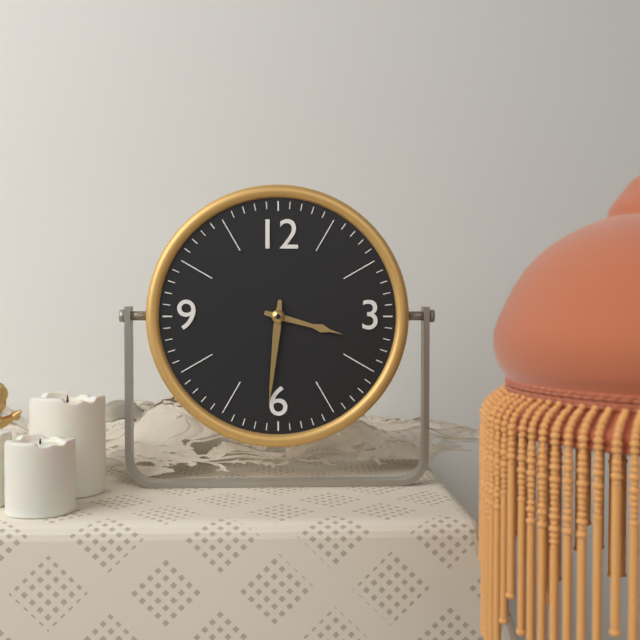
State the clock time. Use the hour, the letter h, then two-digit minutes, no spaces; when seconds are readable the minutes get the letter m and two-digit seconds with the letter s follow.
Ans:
3h31
